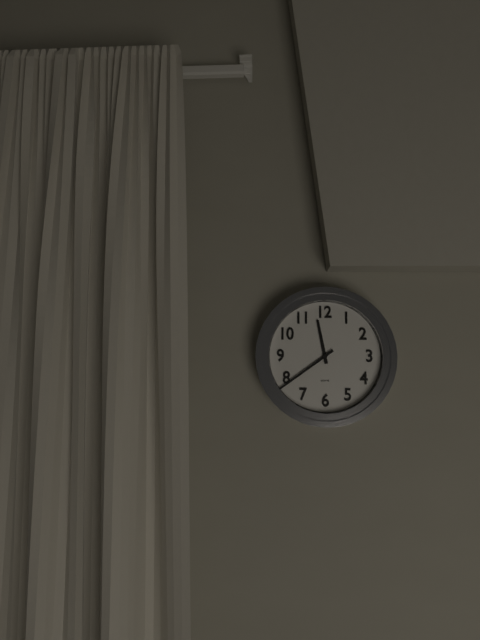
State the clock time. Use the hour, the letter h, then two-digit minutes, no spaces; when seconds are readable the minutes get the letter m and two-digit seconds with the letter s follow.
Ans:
11h39
